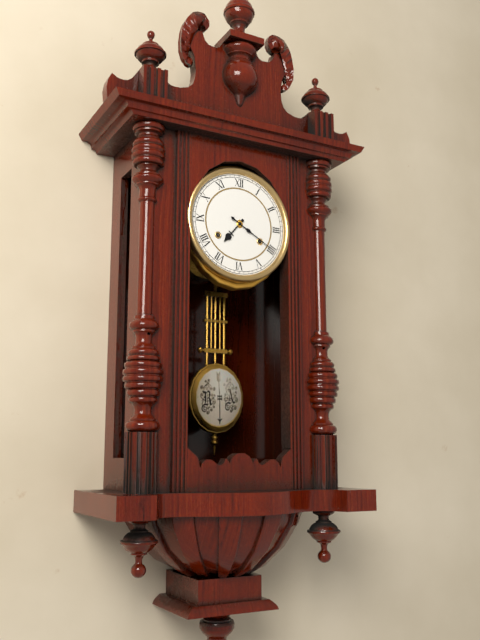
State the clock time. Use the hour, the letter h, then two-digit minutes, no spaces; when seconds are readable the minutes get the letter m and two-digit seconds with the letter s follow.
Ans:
7h20
